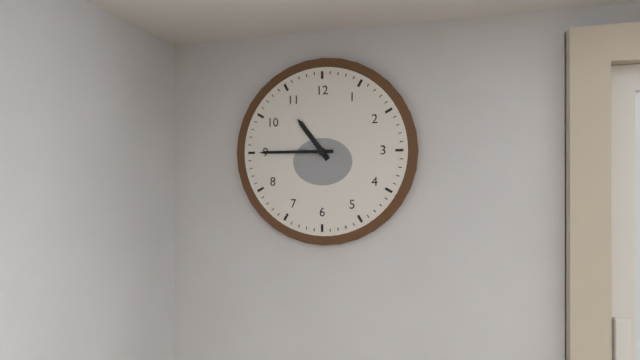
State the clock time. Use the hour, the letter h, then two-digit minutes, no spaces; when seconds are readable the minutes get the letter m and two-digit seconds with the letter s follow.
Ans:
10h45
